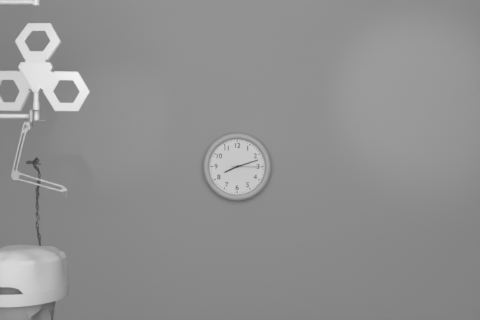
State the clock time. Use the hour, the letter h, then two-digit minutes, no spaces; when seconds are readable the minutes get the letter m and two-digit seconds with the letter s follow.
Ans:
8h12
